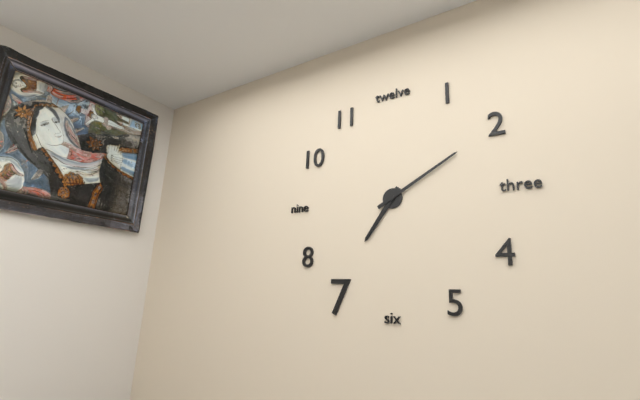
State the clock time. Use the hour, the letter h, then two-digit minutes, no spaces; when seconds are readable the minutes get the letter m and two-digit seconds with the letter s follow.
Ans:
7h10
